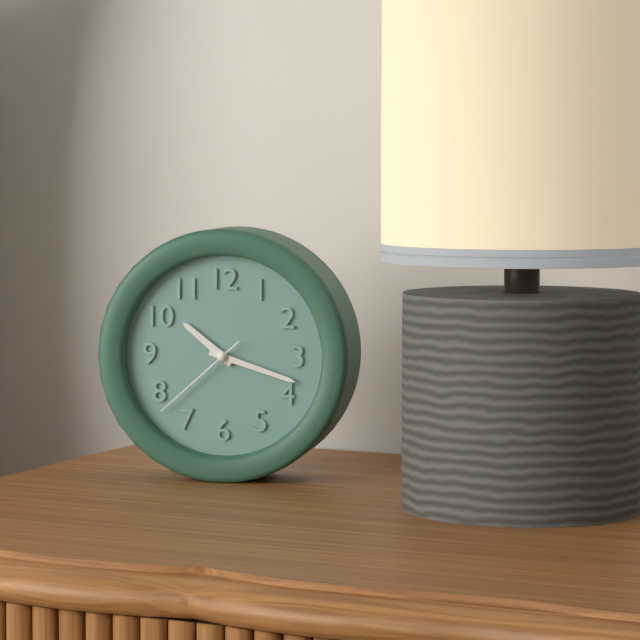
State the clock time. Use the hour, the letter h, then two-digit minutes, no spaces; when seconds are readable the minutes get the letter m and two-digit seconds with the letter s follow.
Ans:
10h18m38s
